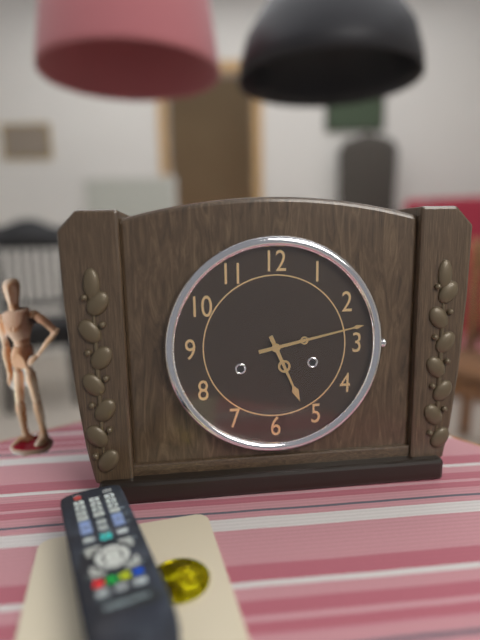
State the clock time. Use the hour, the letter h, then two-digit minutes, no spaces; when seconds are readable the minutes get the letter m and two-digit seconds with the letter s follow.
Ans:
5h13
